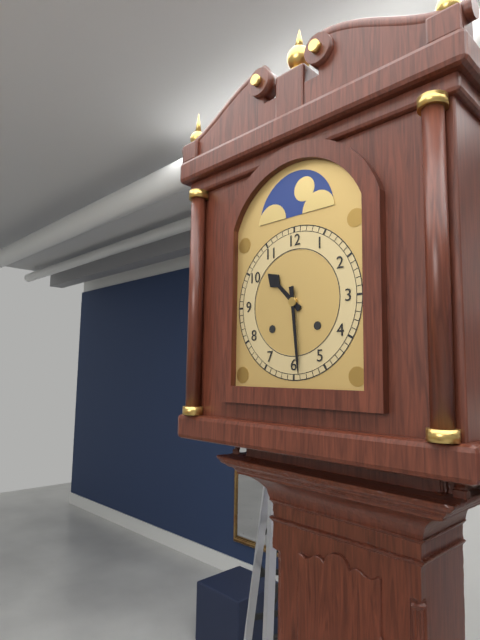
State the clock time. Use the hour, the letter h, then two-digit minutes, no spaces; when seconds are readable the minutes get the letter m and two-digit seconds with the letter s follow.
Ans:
10h29
